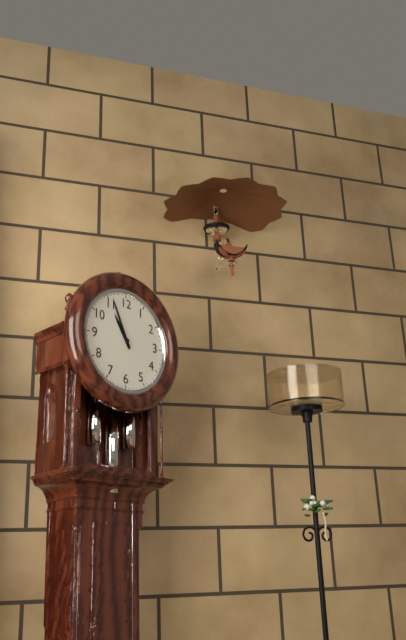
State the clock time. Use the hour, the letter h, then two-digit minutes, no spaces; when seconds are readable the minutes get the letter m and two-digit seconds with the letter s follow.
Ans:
10h56
